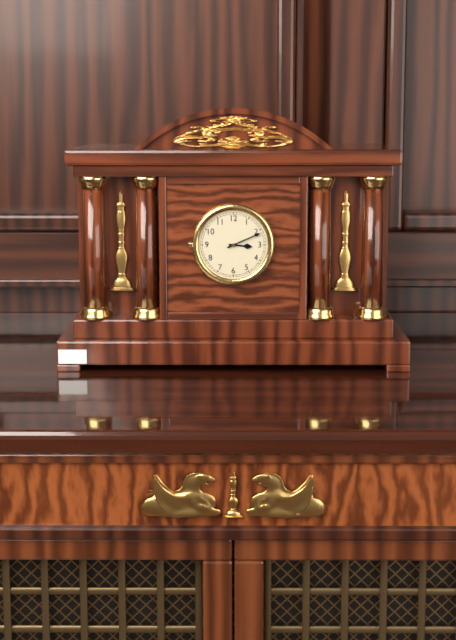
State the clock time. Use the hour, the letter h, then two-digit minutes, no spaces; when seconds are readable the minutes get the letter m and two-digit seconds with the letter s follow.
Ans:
3h11
